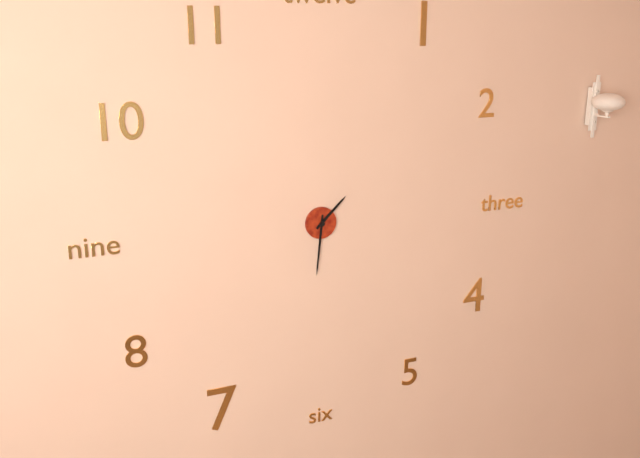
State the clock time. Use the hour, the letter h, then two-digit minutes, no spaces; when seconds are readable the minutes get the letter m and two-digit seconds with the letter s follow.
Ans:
1h31
